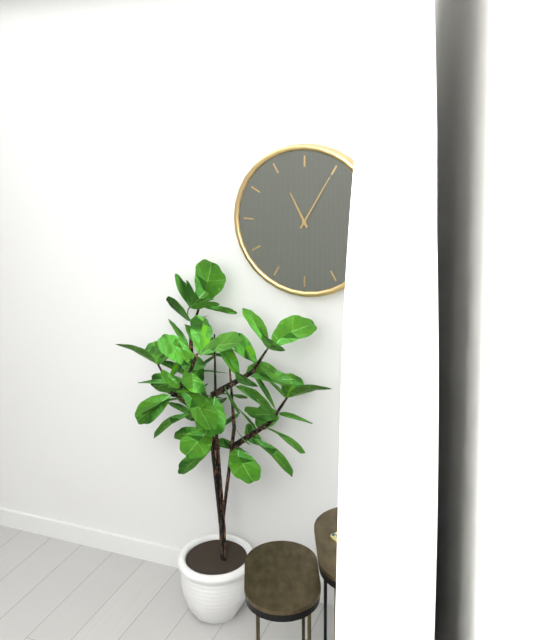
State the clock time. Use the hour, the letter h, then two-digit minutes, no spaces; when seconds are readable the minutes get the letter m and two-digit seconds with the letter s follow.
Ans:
11h05
